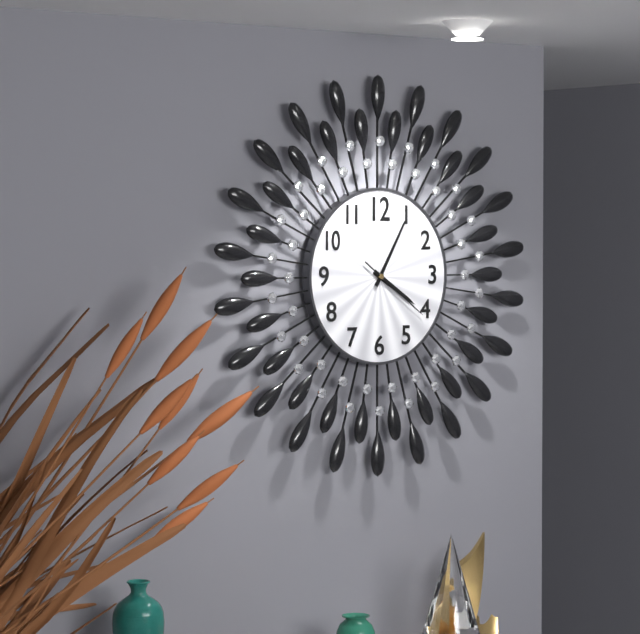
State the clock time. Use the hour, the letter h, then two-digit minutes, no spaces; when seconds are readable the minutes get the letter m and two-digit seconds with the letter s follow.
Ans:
4h05m21s
